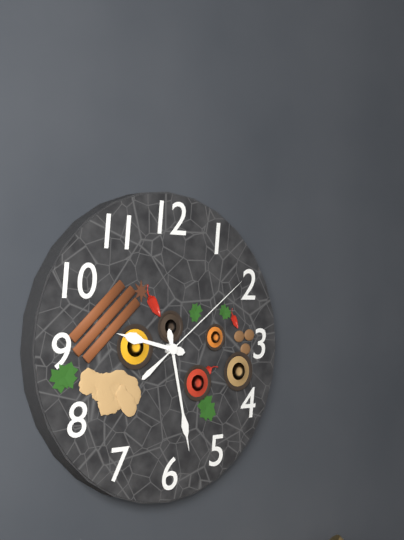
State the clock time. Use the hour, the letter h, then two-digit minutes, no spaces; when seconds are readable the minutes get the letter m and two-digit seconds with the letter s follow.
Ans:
9h28m09s
